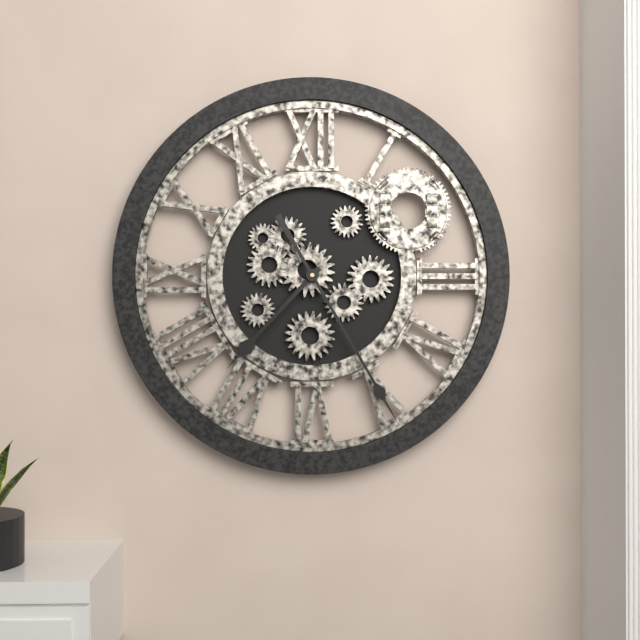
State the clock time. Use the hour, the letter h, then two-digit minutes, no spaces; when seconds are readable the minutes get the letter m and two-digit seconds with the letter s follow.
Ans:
7h25
